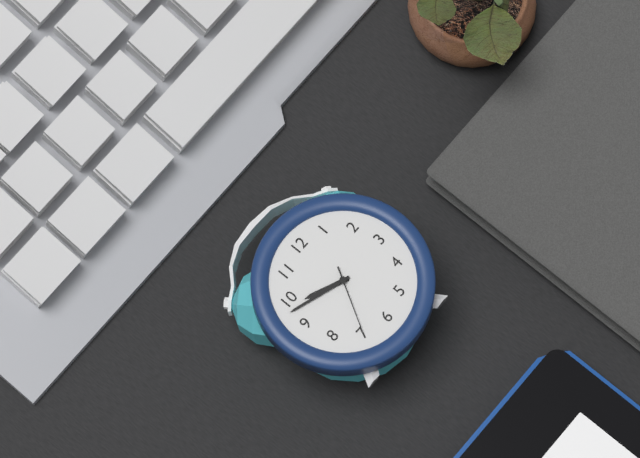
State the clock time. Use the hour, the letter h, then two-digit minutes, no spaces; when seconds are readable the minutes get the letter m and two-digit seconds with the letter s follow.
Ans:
9h48m35s
